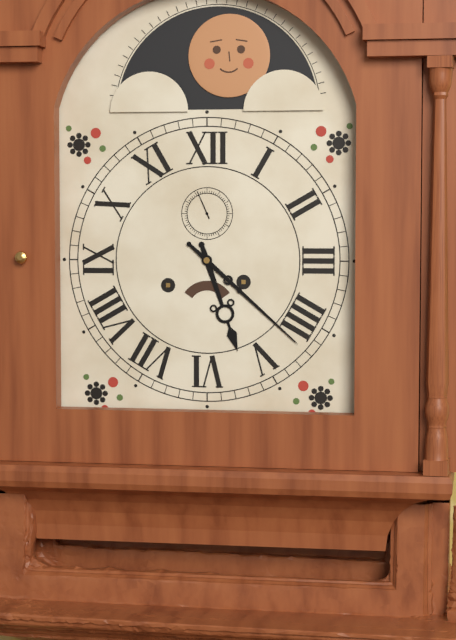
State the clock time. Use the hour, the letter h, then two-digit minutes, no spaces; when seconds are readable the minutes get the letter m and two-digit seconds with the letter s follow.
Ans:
5h22
